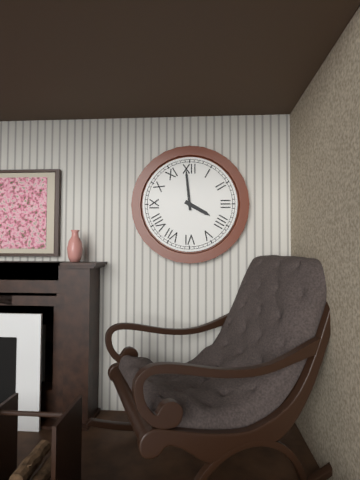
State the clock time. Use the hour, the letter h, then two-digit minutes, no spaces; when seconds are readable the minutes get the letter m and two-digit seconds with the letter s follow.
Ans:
3h59
